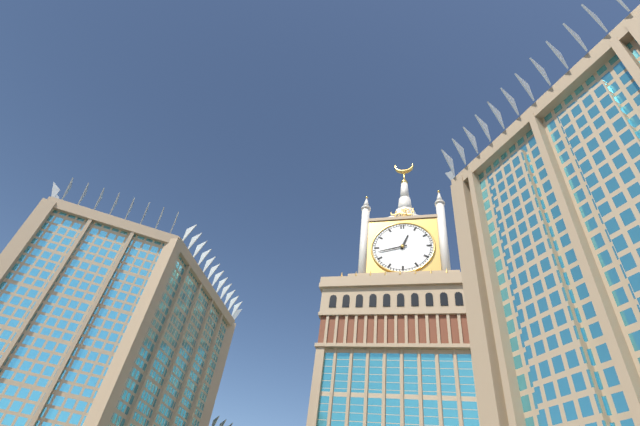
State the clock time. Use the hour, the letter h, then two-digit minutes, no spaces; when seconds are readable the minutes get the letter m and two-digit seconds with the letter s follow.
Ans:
12h43
